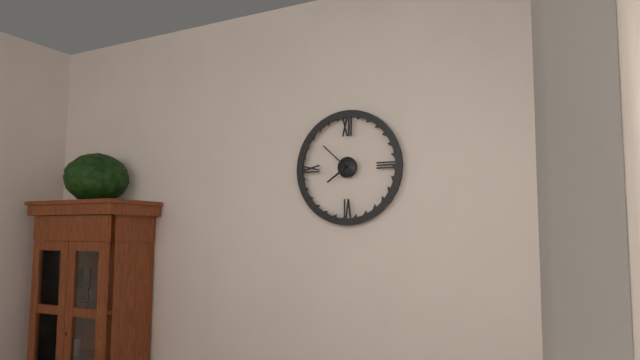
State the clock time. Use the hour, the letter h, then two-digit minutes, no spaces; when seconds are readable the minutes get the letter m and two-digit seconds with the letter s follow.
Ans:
7h52
